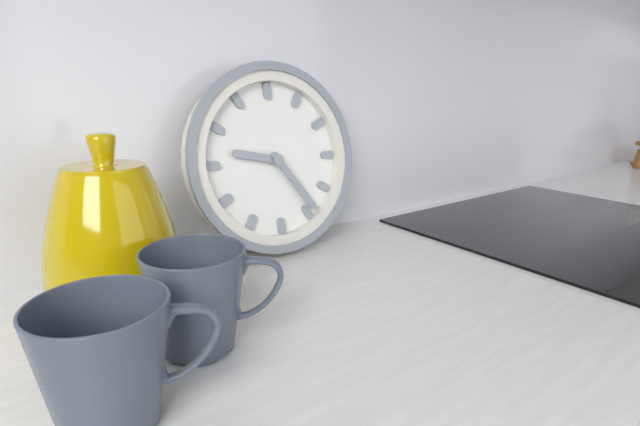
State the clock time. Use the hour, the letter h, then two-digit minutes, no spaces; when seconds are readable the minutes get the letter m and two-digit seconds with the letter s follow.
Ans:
9h24
